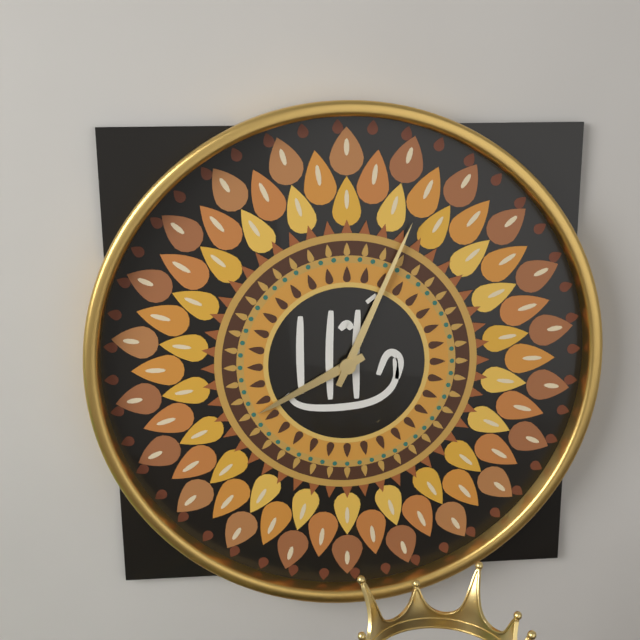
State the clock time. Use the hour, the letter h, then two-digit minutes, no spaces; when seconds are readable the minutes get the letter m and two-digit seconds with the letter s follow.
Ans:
8h04
